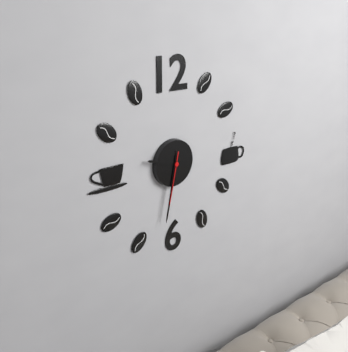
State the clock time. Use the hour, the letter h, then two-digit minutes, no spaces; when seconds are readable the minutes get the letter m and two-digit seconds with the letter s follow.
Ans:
9h32m32s
